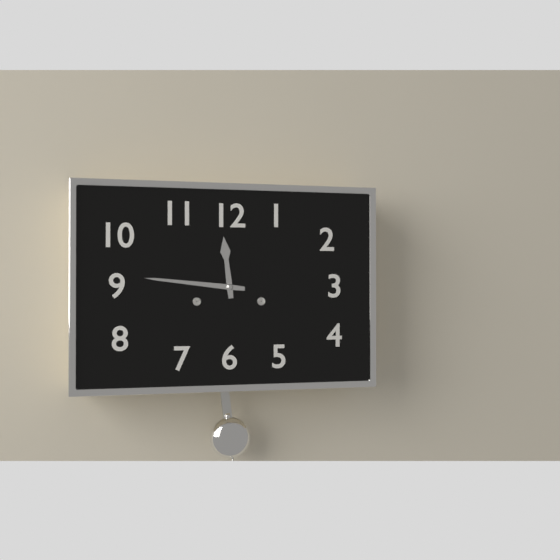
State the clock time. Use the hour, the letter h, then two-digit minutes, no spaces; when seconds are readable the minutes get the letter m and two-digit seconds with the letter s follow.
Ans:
11h46
